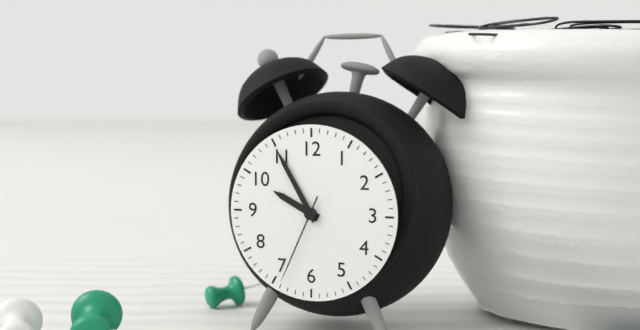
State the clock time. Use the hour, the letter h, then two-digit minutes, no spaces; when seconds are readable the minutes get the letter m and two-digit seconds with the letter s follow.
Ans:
9h55m34s
